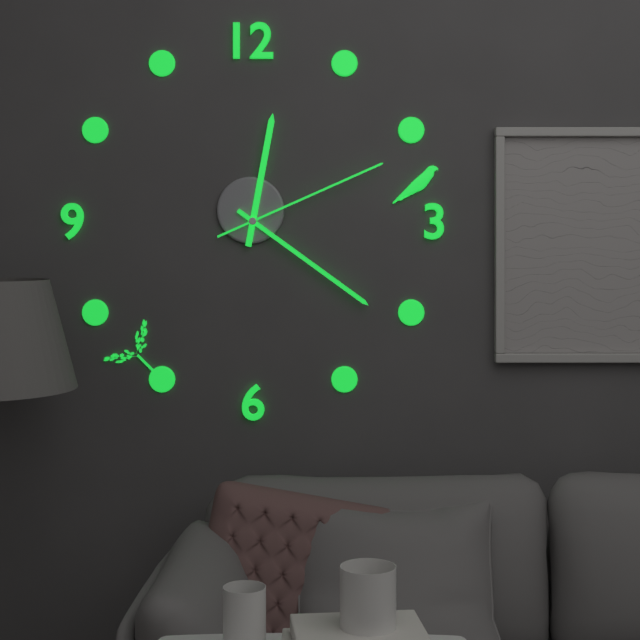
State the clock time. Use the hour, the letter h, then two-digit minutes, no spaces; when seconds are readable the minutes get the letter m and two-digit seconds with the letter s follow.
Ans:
12h21m11s
